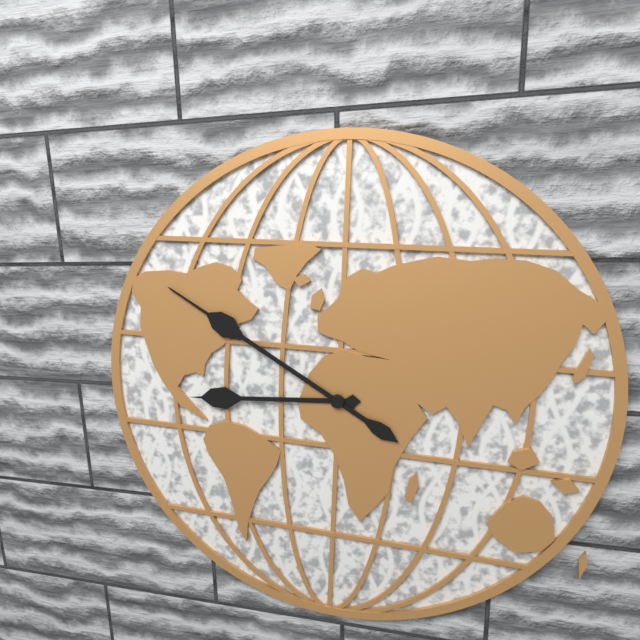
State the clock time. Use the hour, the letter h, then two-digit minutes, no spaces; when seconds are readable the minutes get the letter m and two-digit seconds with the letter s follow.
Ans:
8h50
